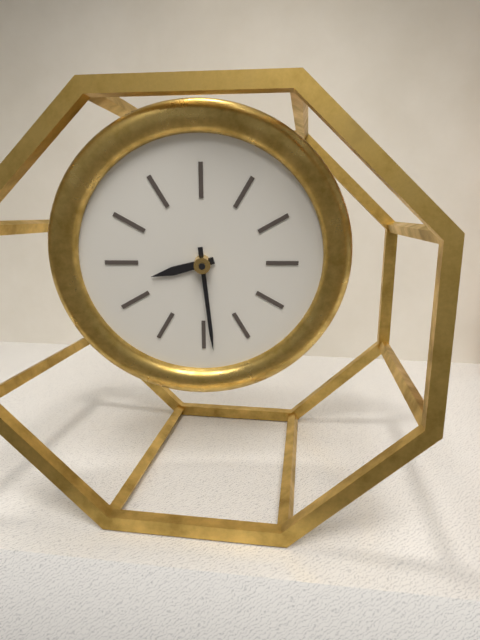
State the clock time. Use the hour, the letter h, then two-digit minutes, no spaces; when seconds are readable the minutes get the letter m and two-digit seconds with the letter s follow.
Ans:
8h29
